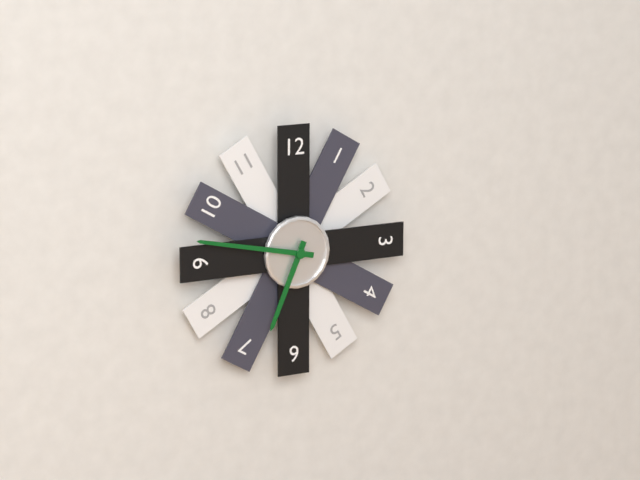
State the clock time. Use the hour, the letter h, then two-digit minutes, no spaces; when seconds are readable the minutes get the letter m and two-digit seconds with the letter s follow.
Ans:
6h47
